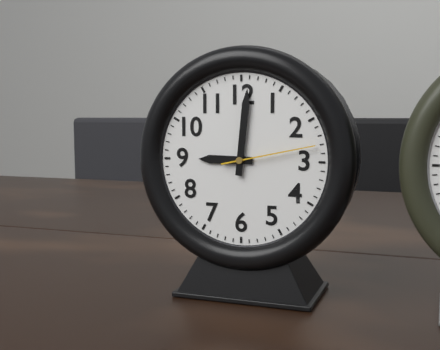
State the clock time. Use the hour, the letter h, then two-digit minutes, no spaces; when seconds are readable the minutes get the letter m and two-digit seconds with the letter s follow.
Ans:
9h01m13s
